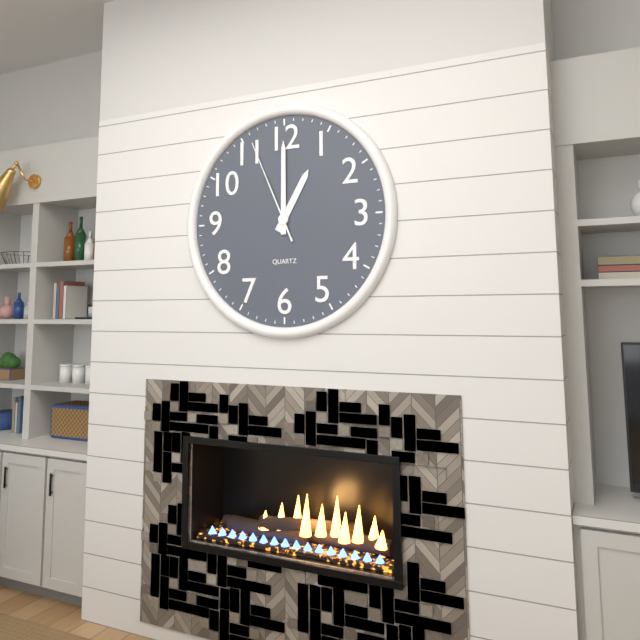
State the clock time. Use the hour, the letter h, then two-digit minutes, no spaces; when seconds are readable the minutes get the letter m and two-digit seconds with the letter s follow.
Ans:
1h00m56s
